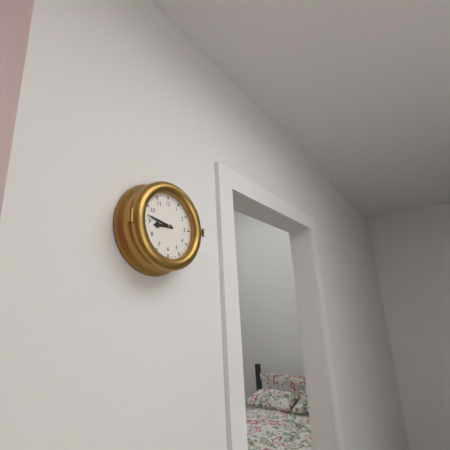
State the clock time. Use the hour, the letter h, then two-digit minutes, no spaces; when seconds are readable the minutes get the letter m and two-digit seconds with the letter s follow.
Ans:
8h47
